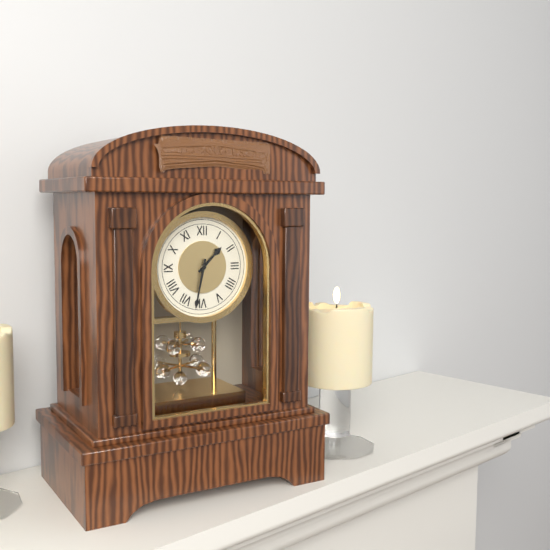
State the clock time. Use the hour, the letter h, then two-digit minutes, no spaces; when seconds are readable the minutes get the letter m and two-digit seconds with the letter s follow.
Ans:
1h32
